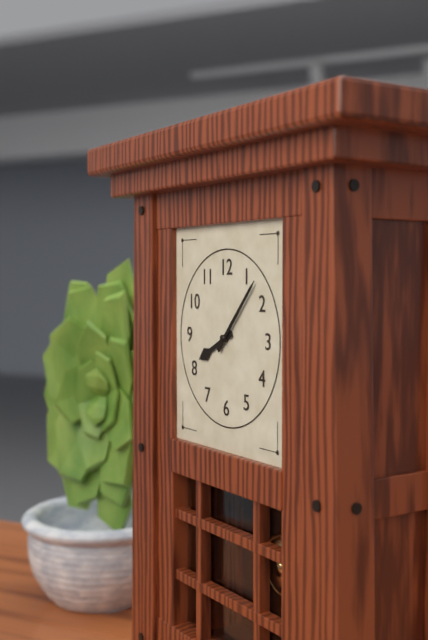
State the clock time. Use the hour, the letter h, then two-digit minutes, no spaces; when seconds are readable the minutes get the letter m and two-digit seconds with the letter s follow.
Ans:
8h07
